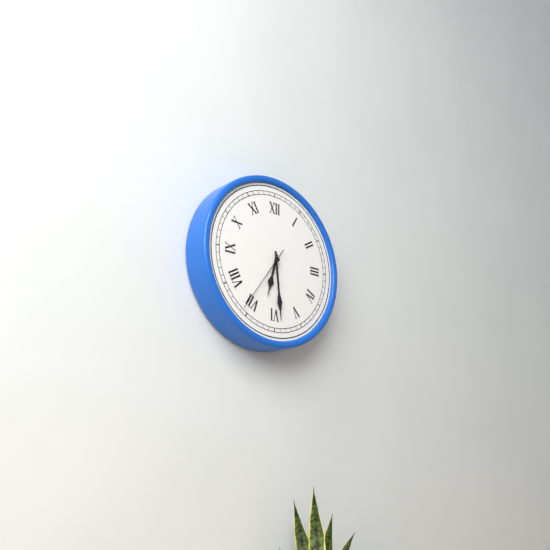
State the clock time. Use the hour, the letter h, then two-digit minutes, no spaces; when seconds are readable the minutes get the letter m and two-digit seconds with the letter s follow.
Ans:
6h29m36s
